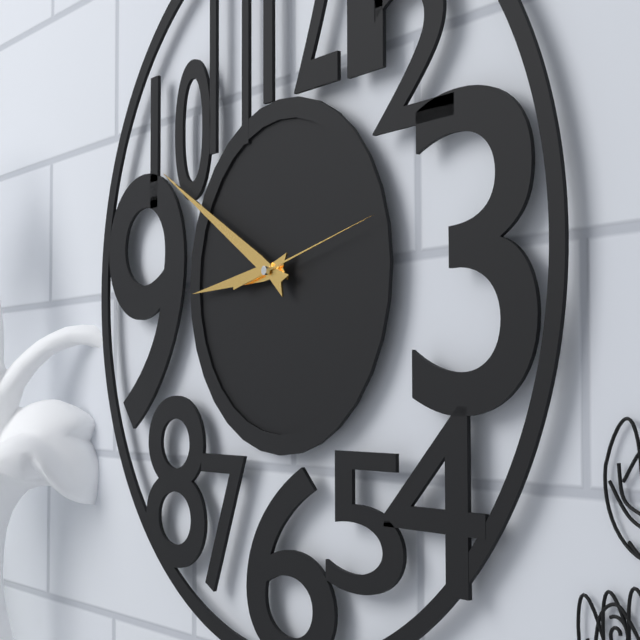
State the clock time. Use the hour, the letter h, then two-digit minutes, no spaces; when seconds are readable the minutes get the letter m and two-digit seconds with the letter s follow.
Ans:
8h50m13s
